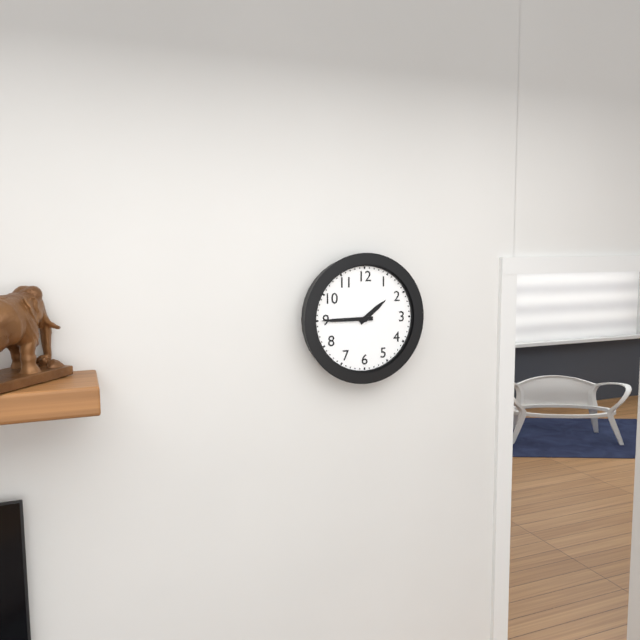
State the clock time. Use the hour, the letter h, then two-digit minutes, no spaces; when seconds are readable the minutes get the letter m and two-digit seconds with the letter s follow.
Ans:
1h45
